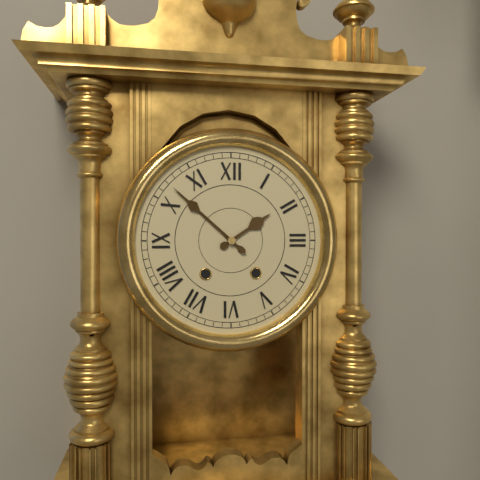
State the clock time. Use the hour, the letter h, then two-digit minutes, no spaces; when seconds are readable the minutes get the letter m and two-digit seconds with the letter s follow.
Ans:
1h52
